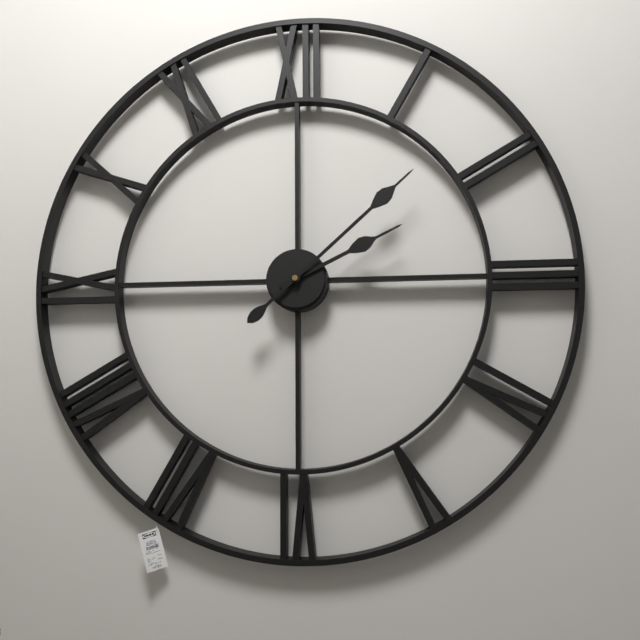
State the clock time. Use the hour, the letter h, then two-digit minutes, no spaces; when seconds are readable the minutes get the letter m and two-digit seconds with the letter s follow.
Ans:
2h08
